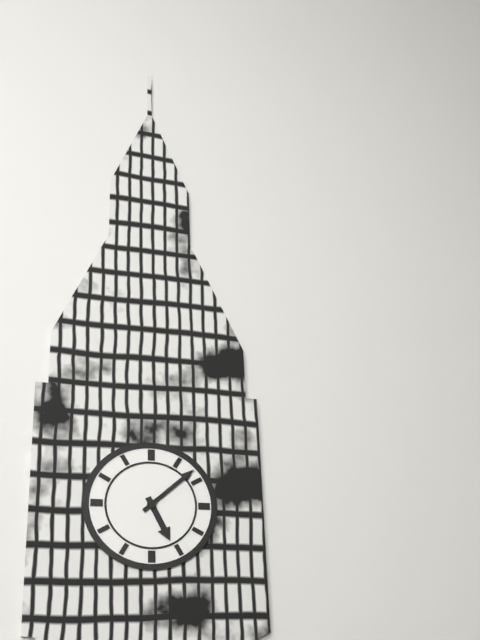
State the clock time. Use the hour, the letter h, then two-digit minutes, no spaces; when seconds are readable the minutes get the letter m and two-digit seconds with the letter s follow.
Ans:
5h08
